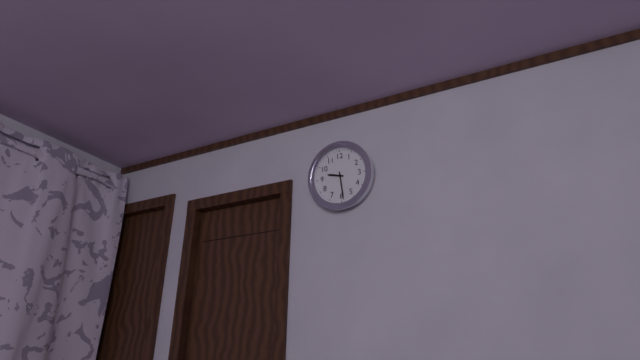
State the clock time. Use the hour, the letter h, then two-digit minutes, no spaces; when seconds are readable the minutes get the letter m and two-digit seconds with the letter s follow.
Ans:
9h29
